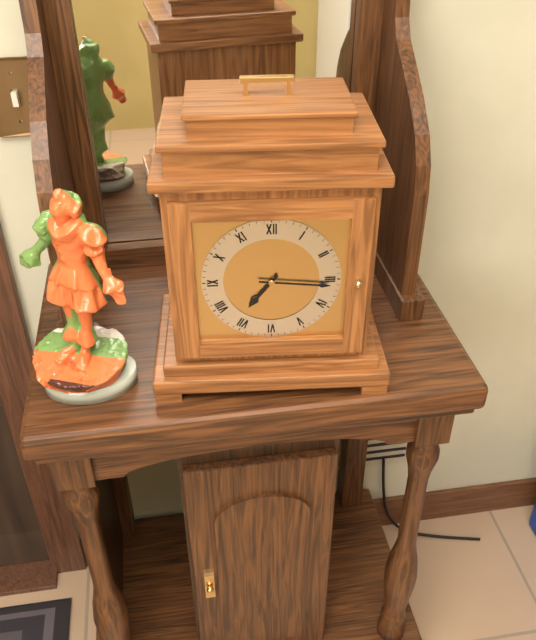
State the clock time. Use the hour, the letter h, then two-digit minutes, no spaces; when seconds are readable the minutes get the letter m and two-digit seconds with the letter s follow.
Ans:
7h16
